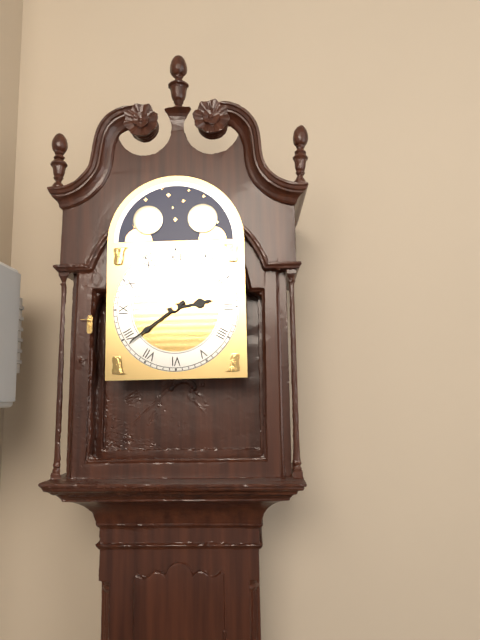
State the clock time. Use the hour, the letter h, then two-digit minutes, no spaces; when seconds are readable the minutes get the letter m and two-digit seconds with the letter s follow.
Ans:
2h39
